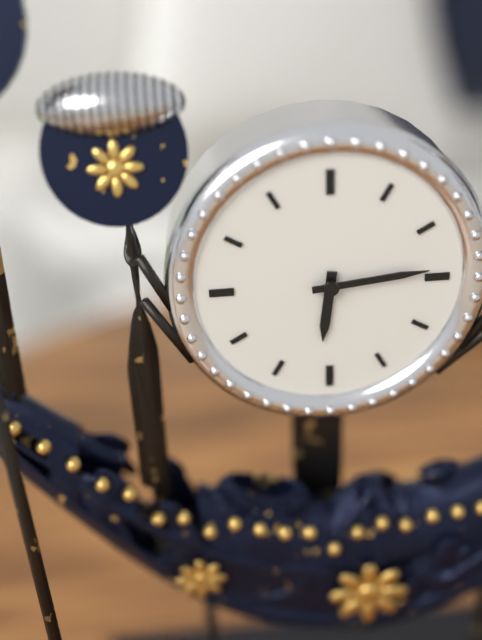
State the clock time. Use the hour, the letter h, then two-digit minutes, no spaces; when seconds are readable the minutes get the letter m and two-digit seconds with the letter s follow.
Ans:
6h14
